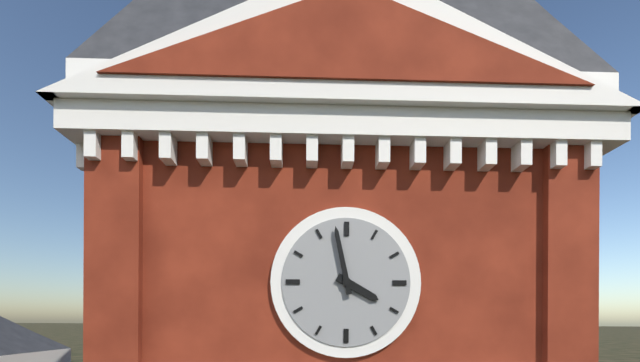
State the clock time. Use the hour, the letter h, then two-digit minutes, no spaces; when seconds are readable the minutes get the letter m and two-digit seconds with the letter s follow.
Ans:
3h58
